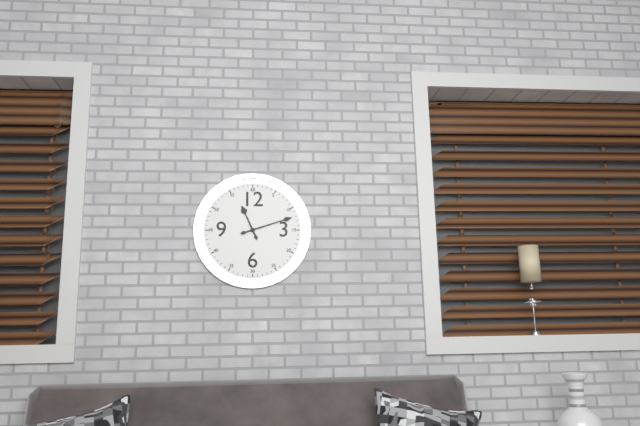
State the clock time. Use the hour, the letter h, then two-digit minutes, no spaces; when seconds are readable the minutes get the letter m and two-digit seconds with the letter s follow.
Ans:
11h12
